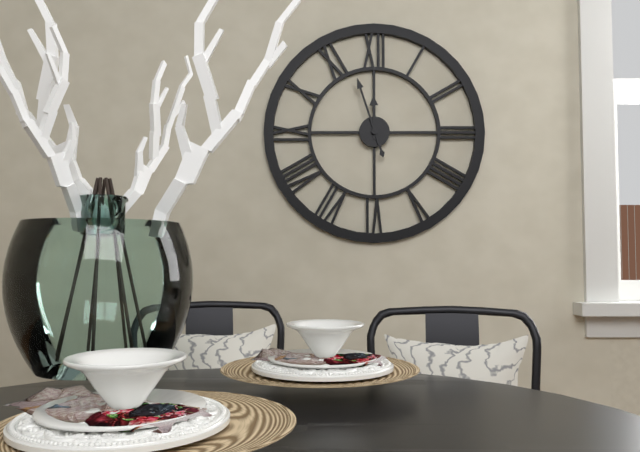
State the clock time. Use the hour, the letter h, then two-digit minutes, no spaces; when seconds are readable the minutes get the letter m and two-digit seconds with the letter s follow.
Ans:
11h57
